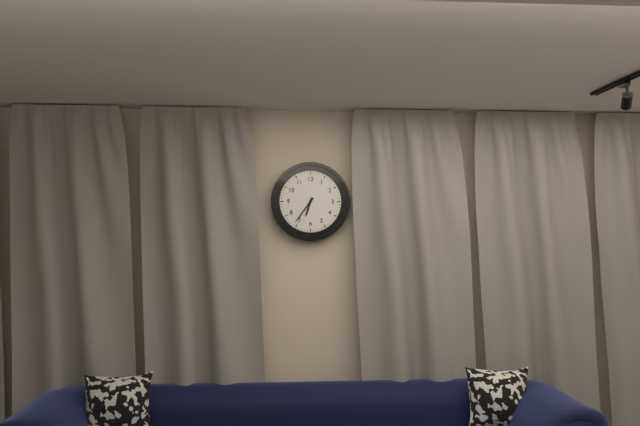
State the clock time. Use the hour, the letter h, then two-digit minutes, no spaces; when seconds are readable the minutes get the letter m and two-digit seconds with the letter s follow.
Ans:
6h36
